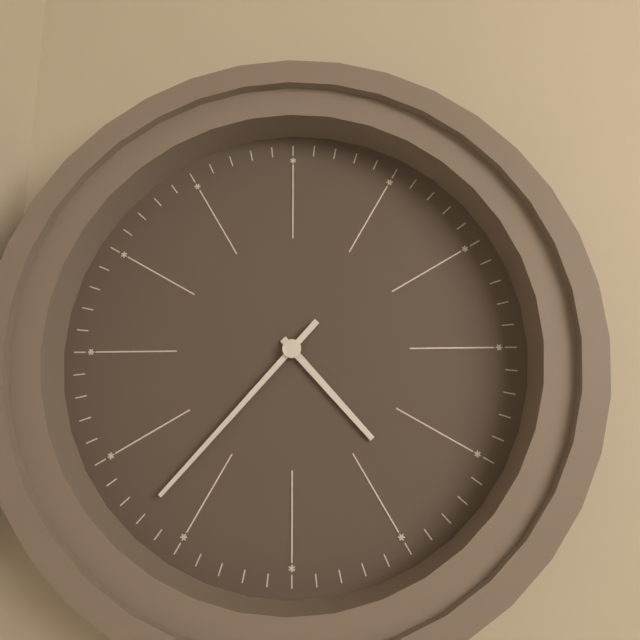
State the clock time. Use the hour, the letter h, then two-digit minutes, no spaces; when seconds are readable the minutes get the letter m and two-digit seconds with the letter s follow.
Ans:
4h37
